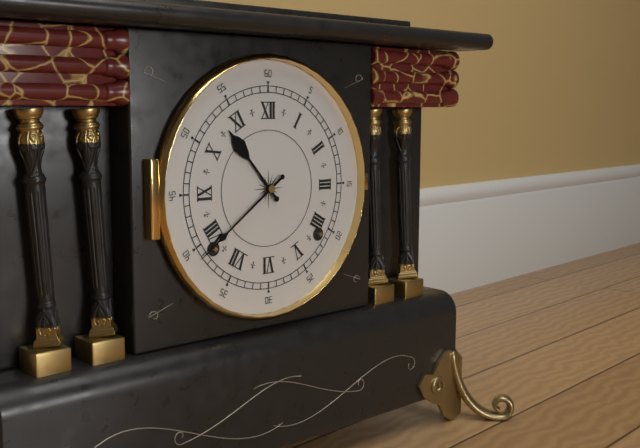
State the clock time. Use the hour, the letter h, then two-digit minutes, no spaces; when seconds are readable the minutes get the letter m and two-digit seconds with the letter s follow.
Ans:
10h39
